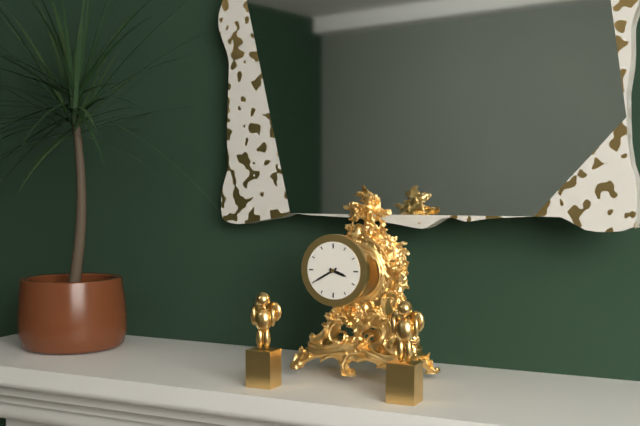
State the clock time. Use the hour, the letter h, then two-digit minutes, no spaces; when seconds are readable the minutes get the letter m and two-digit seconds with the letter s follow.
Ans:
3h40
